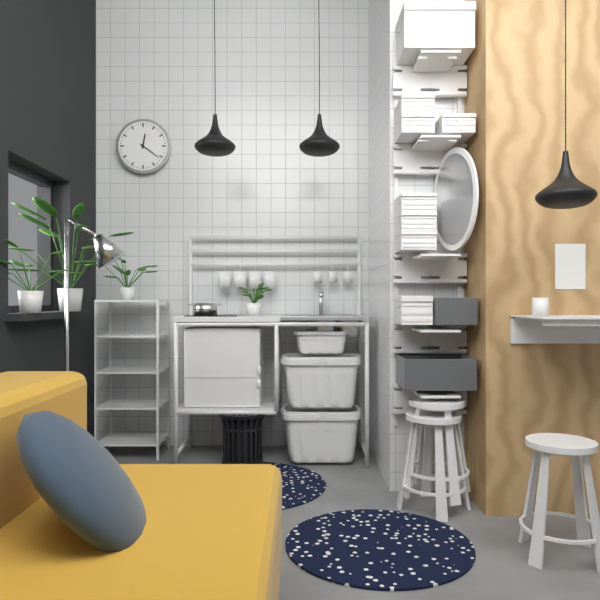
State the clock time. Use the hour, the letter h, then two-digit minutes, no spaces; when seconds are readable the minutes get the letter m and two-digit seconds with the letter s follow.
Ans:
12h21
